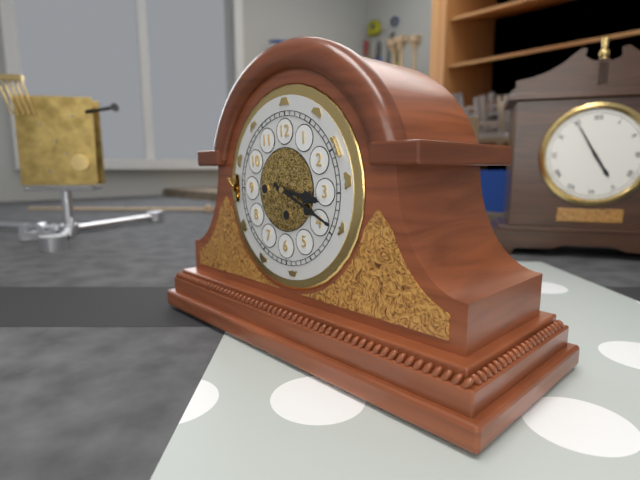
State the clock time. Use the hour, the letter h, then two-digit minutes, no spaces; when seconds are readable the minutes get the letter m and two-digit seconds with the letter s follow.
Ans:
3h19
